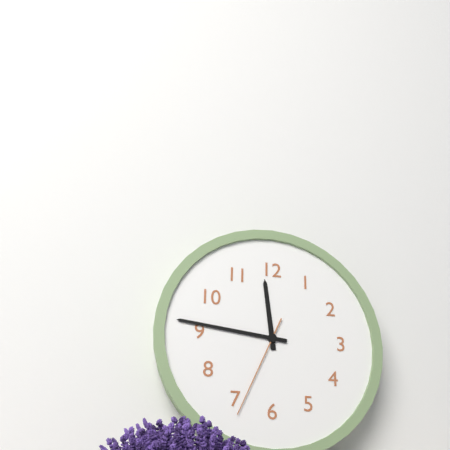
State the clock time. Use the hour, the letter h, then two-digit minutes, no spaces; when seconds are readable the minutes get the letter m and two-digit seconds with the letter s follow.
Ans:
11h46m34s
